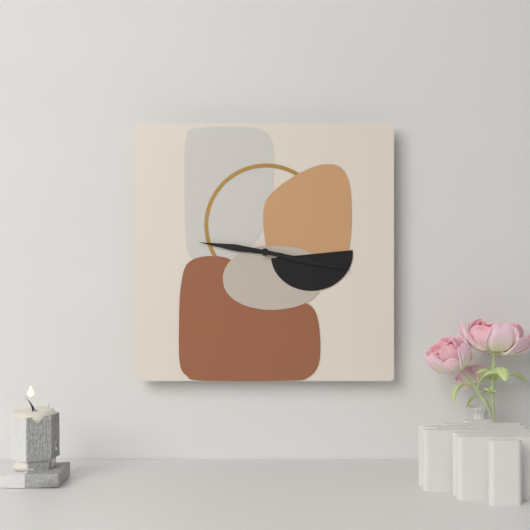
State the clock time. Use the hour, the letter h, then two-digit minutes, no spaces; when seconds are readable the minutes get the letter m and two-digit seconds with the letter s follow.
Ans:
9h17
